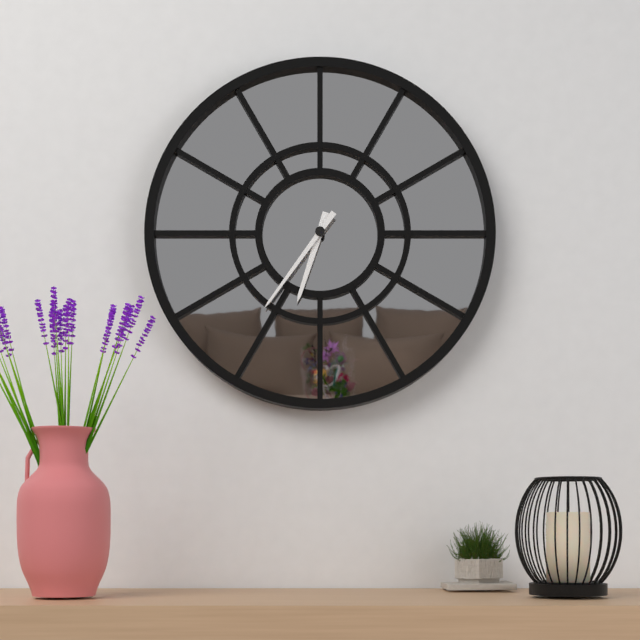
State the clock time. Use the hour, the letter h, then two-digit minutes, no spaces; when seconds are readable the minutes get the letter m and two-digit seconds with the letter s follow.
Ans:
6h36
